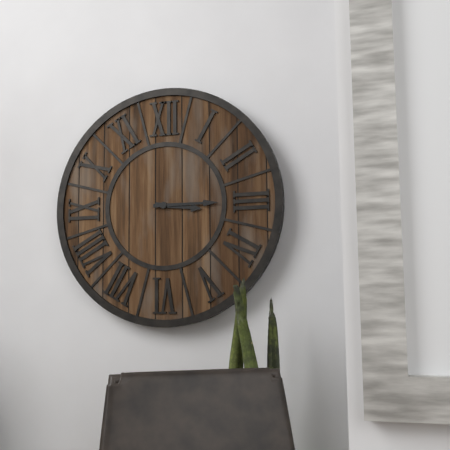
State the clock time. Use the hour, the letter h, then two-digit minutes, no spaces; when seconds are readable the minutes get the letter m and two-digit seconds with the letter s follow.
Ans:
3h15
